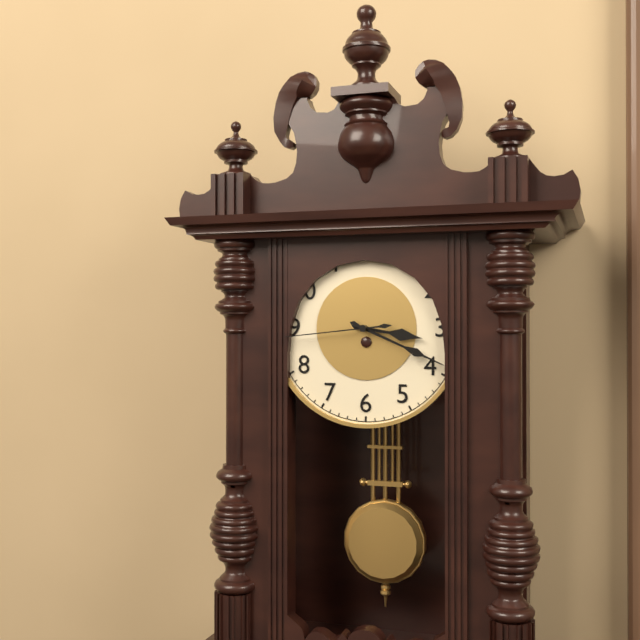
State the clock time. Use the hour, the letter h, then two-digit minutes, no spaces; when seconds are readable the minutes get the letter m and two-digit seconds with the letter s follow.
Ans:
3h19m44s
